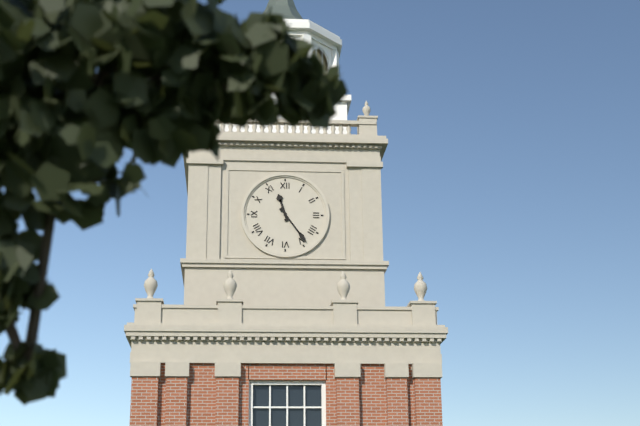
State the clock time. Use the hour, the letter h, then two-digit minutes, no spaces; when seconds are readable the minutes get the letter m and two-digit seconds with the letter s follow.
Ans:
11h24
